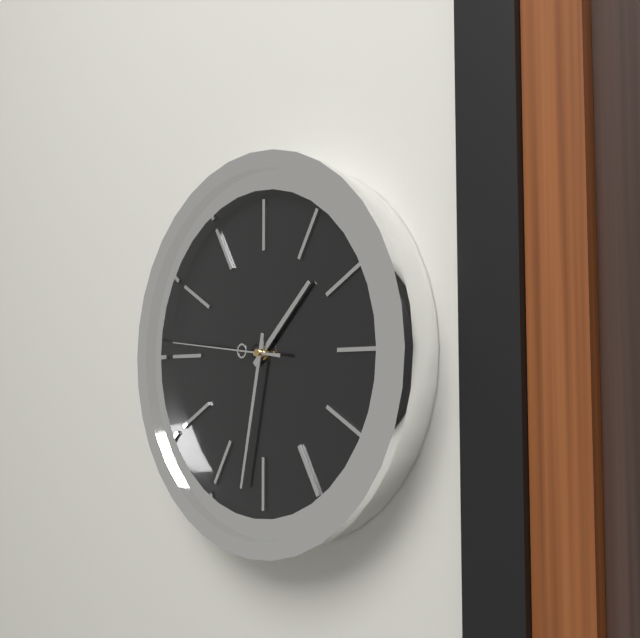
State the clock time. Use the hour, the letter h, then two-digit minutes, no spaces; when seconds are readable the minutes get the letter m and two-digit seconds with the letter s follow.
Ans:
1h32m46s
